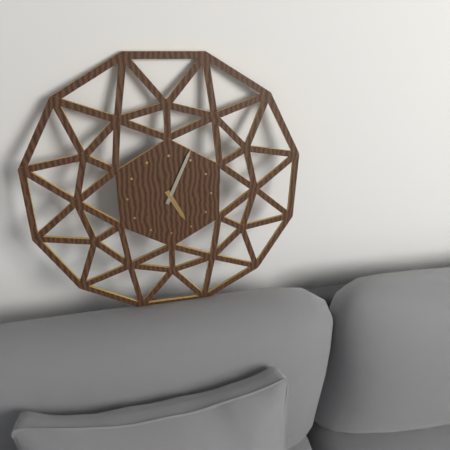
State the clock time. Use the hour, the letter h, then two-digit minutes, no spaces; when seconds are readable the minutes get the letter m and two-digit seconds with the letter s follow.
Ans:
5h04
